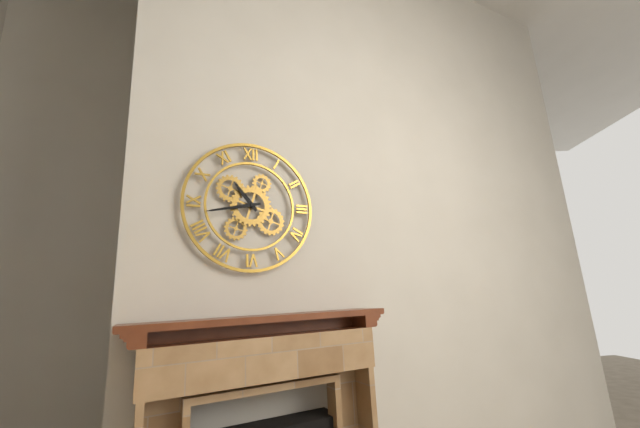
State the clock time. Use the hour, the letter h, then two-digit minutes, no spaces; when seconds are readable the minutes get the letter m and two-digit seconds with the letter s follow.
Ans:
10h43
